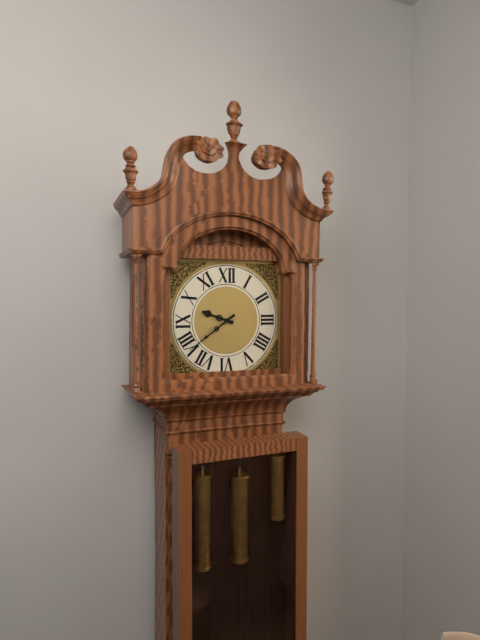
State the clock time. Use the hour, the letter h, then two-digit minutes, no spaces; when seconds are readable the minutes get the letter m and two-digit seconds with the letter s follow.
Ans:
9h39
